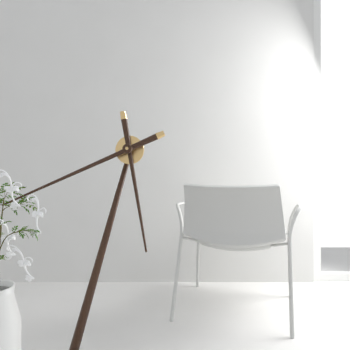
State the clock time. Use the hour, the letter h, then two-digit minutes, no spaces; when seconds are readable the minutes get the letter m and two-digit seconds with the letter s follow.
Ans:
5h41
